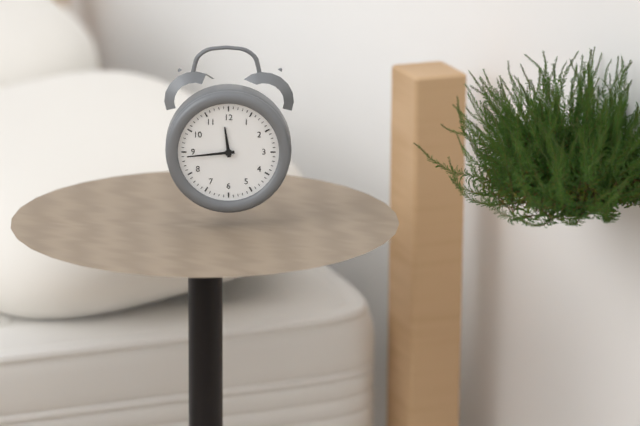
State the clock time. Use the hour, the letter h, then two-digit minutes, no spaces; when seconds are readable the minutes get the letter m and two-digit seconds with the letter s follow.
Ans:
11h44
